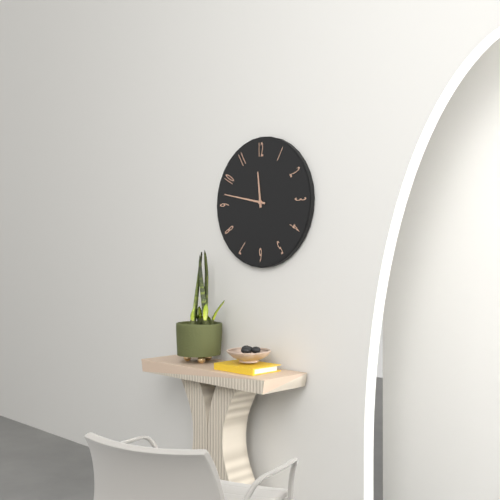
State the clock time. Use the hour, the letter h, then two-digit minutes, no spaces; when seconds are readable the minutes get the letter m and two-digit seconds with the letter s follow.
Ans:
11h47
